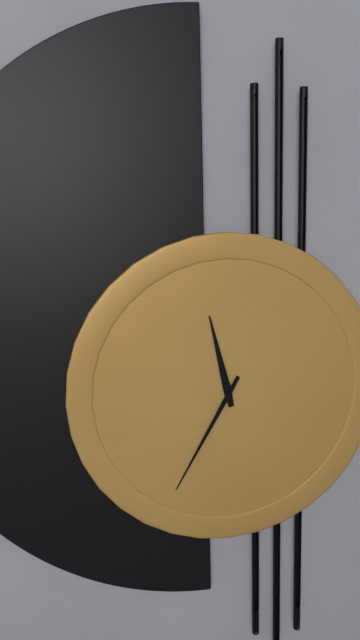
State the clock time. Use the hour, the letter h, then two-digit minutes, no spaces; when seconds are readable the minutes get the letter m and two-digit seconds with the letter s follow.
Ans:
11h35
